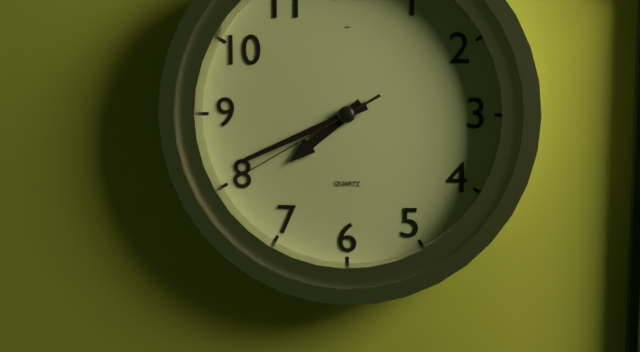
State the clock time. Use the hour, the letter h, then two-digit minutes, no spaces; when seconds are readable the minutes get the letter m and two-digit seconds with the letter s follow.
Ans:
7h41m40s
